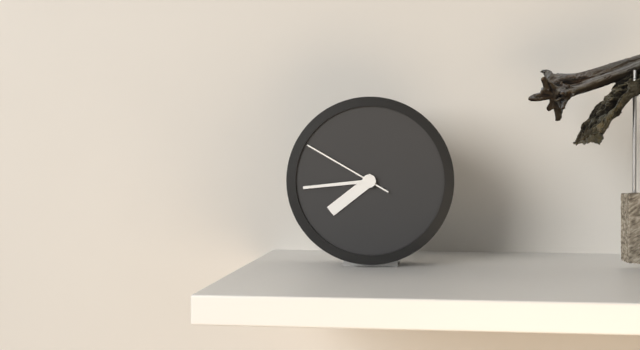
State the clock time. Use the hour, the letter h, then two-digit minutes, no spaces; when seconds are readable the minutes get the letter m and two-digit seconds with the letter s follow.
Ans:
7h44m50s
